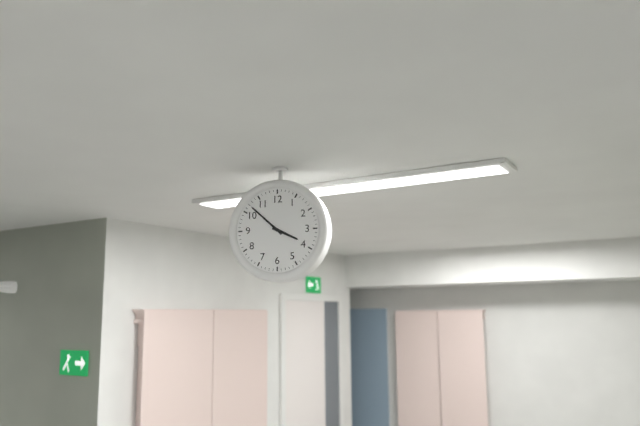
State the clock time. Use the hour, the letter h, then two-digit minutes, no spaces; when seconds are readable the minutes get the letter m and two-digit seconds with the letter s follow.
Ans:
3h52
